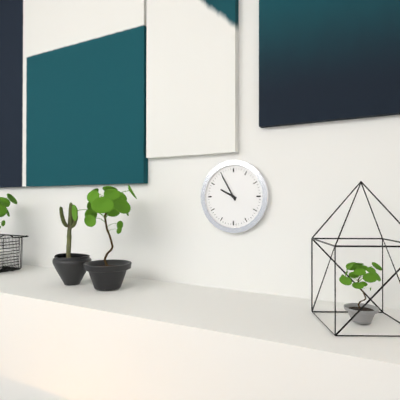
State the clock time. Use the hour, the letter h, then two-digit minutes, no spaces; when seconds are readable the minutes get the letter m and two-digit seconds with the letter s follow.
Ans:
9h55
